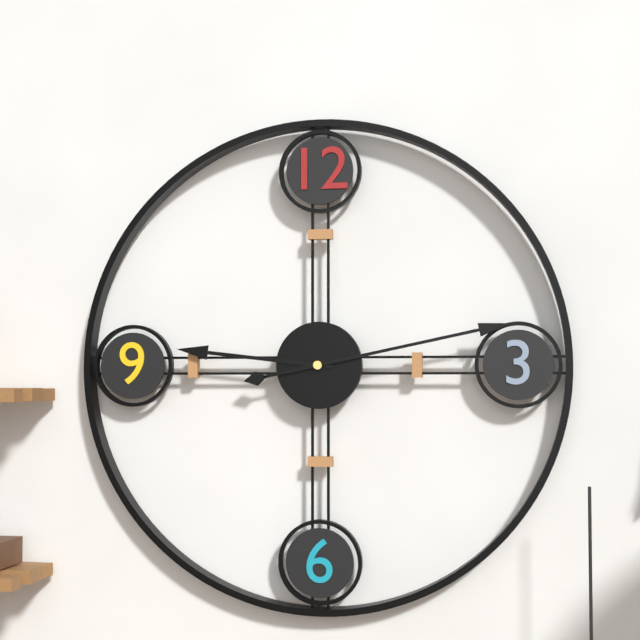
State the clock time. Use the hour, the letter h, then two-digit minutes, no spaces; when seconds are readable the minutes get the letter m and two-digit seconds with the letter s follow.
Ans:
9h13
